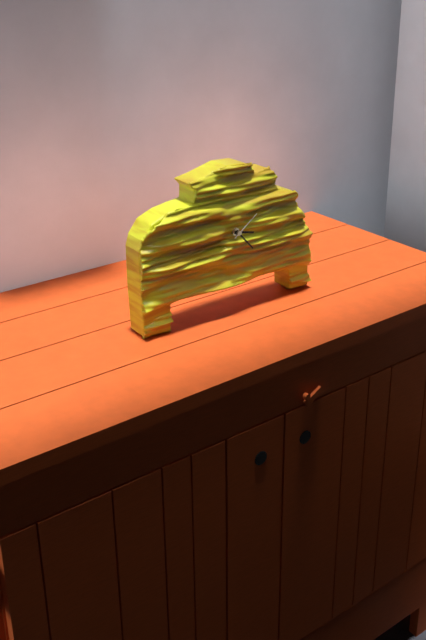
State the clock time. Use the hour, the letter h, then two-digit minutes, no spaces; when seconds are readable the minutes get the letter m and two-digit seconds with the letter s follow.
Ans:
3h23
